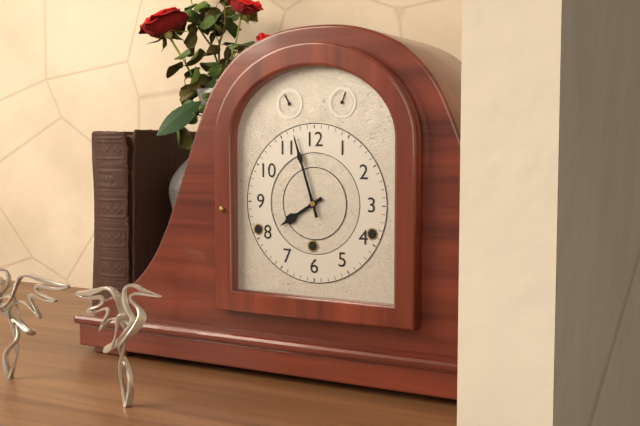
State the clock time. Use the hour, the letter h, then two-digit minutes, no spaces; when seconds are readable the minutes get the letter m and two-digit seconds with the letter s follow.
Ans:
7h57
